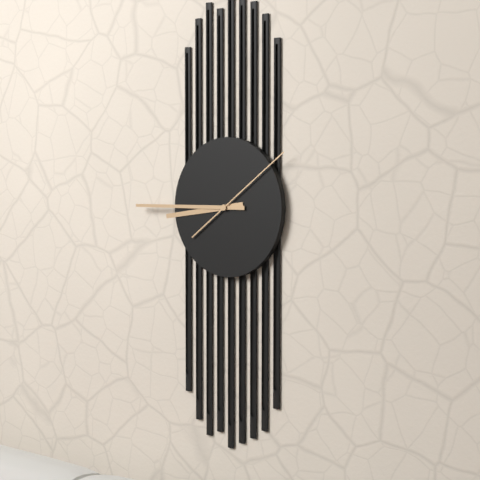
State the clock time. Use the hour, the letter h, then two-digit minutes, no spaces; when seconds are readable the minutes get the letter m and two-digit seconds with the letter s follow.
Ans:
8h45m09s
